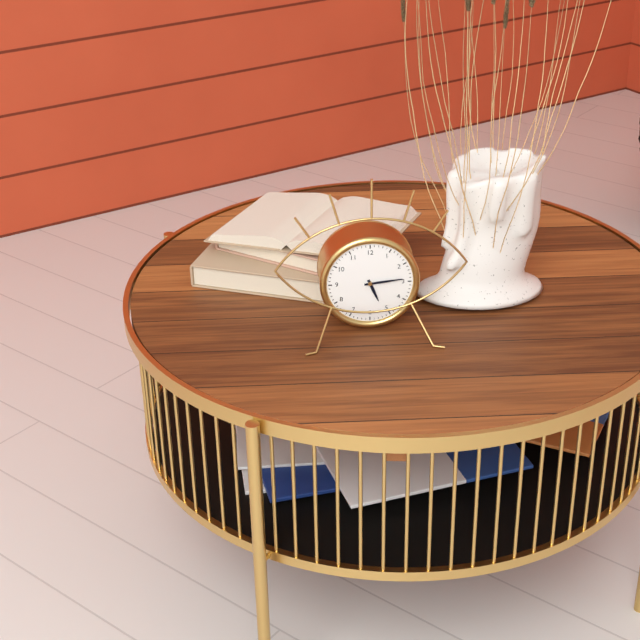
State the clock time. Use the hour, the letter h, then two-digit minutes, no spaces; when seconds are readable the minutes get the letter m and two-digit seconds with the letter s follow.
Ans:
5h14
